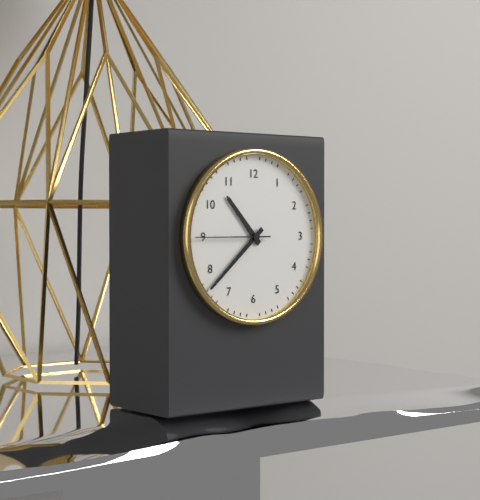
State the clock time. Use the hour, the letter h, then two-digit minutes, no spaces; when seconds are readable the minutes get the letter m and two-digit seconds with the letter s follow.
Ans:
10h38m45s
